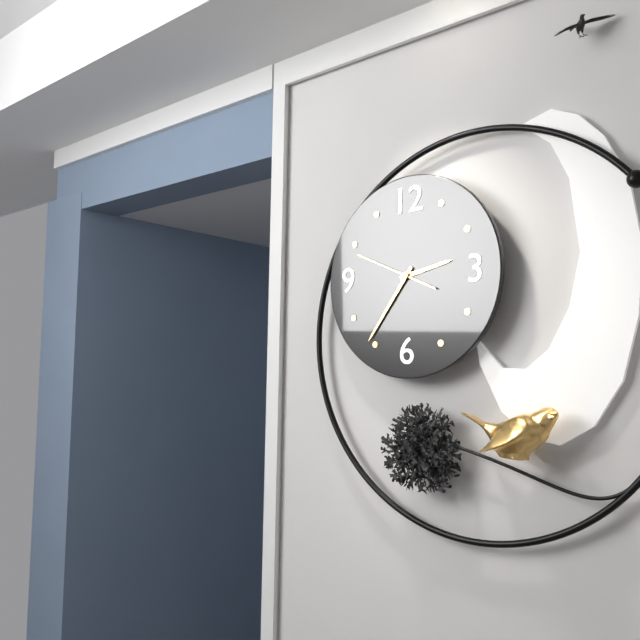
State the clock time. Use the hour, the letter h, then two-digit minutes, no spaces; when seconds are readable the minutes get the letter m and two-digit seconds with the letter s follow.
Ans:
2h36m49s
